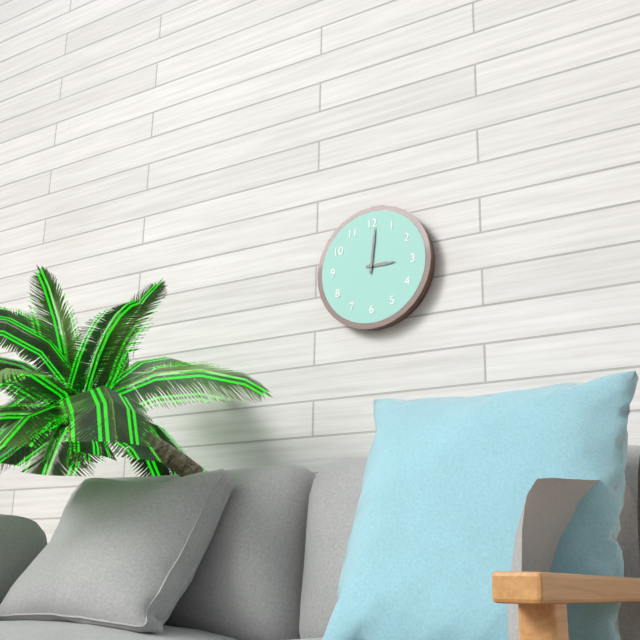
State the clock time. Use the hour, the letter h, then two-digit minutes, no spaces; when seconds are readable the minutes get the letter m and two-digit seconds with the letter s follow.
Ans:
3h01
